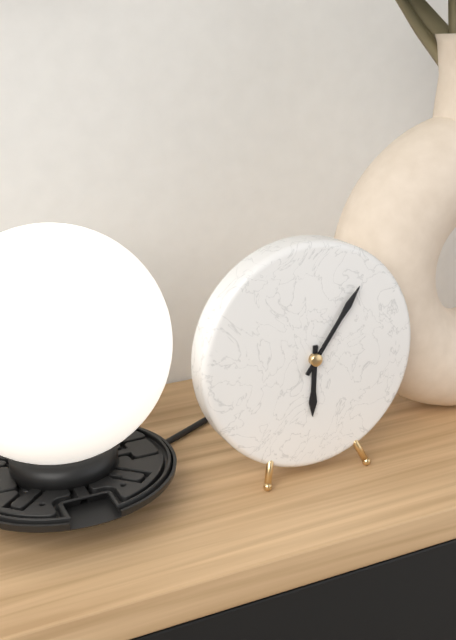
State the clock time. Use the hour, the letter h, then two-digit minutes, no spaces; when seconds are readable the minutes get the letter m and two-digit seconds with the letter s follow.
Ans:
6h06
